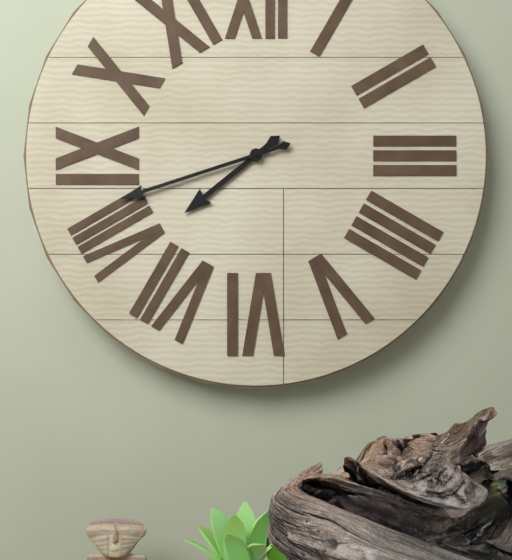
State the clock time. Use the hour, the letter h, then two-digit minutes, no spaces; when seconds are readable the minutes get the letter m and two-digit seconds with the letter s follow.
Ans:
7h42
